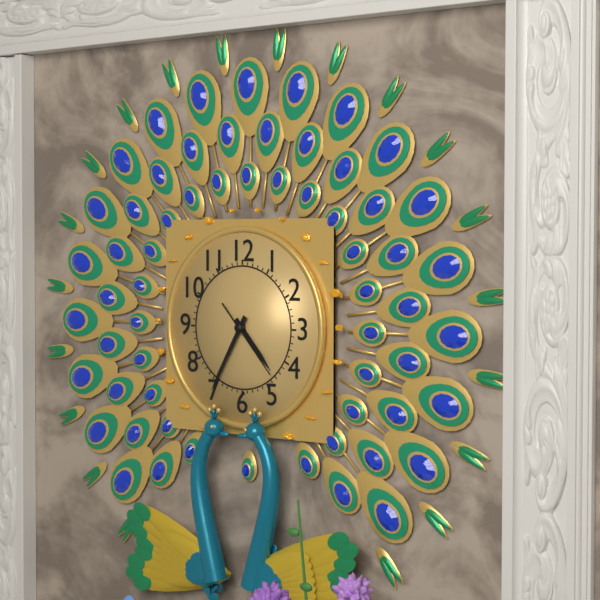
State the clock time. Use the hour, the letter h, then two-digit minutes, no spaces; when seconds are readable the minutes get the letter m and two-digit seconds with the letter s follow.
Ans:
4h35m23s
